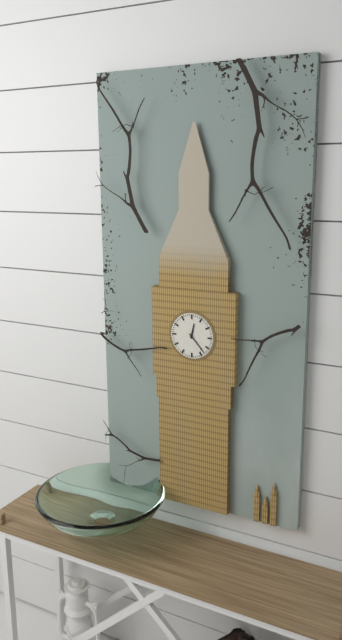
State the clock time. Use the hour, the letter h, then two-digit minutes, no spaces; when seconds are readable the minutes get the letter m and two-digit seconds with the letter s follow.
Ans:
12h23
